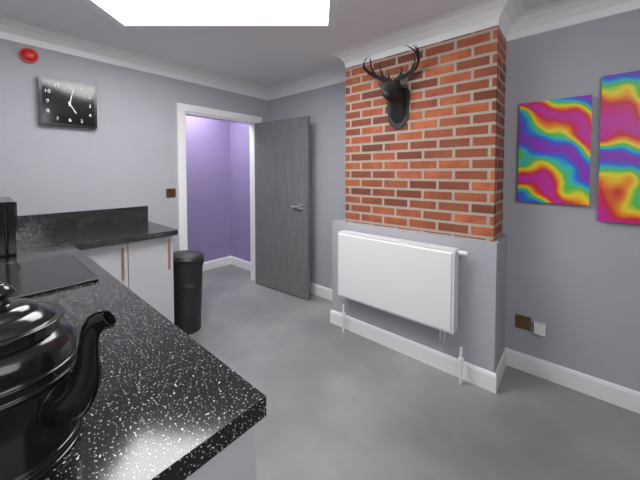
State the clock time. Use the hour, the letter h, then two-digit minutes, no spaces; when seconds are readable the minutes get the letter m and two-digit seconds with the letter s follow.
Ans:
5h02
